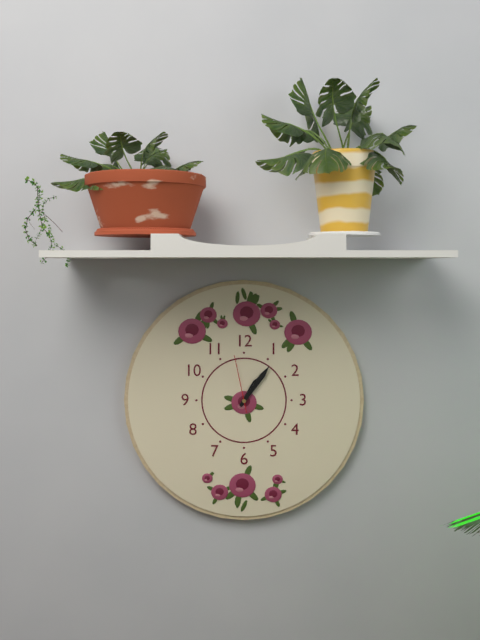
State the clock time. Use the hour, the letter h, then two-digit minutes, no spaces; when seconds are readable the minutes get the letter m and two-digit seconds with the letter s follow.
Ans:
1h06m58s
